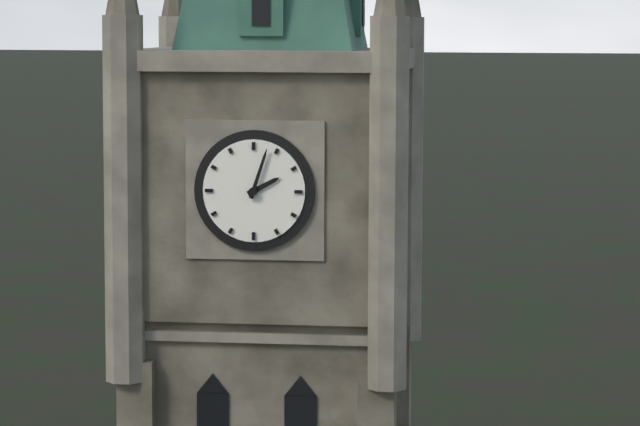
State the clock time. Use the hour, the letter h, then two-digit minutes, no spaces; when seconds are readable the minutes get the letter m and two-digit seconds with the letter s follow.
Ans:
2h03
